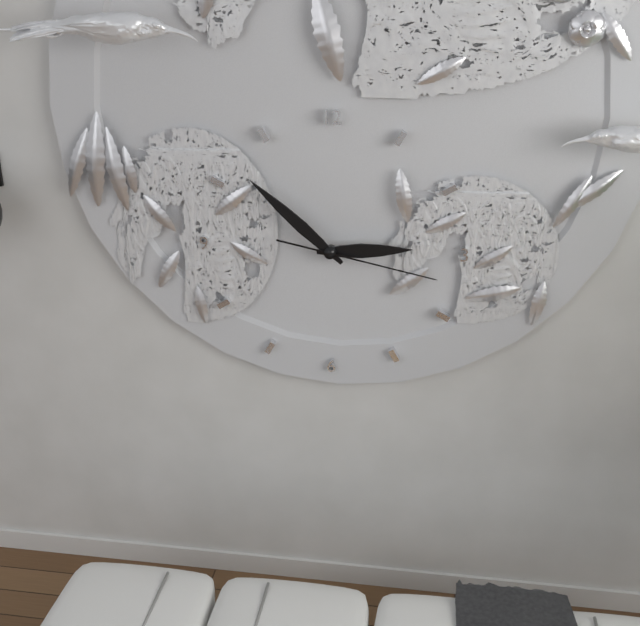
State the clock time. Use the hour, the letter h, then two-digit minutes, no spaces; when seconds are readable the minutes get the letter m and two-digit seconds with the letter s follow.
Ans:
2h52m17s
